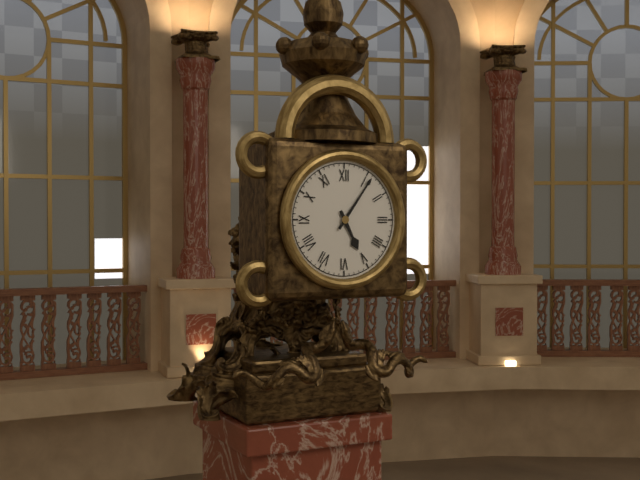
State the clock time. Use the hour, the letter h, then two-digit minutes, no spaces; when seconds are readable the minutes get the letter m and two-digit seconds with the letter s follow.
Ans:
5h06
